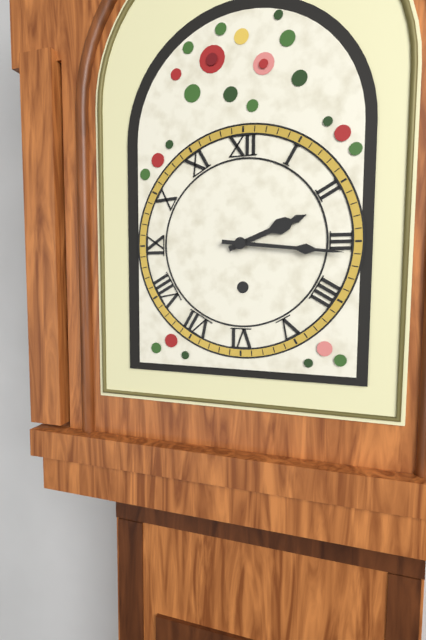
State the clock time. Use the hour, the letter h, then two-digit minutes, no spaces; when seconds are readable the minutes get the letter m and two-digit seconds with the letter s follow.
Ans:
2h16
